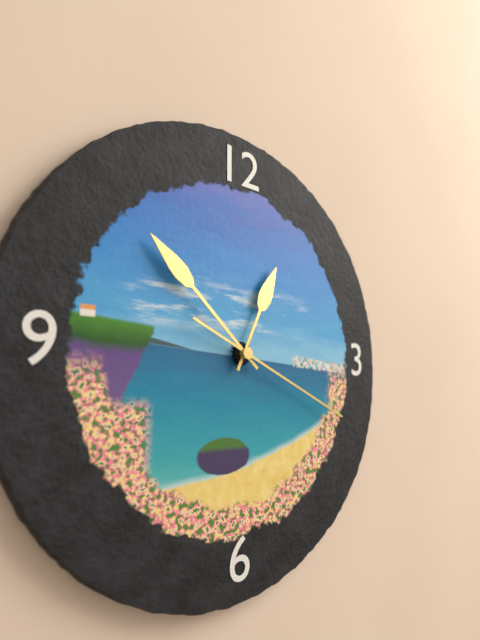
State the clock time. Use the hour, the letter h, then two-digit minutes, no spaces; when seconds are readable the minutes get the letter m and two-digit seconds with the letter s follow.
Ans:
12h52m19s
